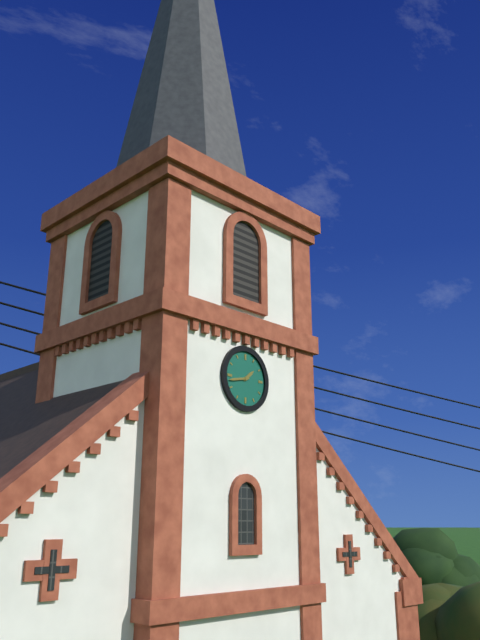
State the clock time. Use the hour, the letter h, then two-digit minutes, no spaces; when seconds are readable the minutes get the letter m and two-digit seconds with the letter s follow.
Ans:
1h43
